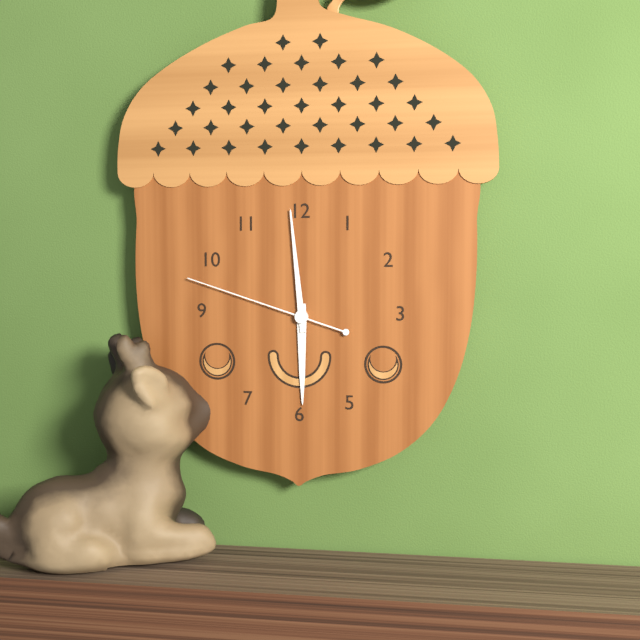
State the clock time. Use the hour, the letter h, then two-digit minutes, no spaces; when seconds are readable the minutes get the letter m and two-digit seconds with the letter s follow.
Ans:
5h59m48s
